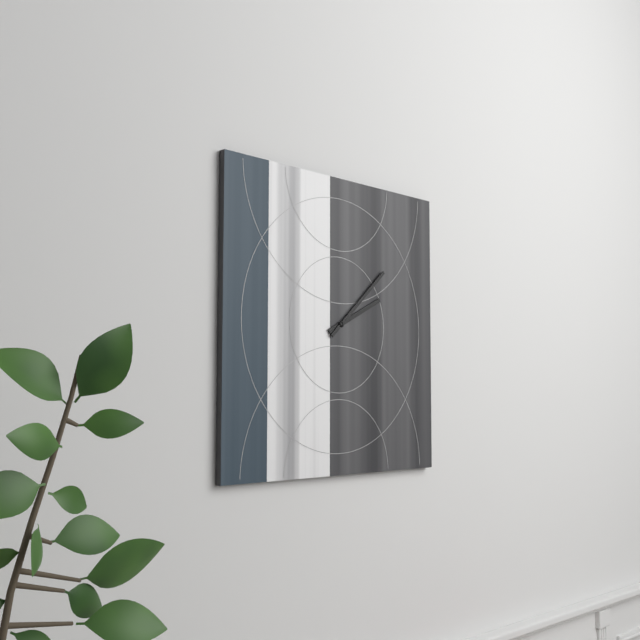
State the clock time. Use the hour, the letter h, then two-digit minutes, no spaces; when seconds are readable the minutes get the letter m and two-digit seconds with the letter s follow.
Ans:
2h08
